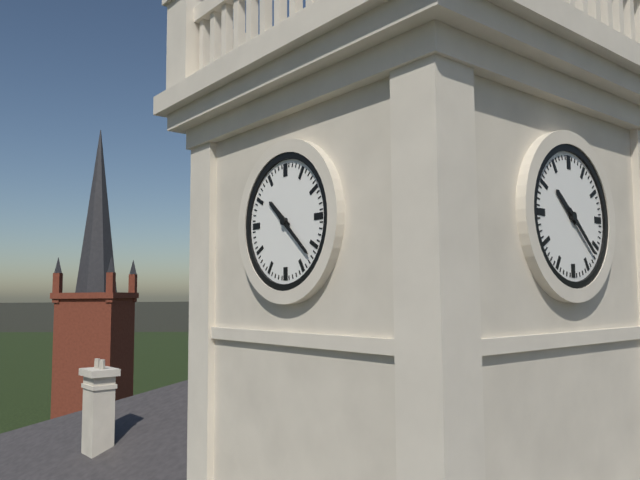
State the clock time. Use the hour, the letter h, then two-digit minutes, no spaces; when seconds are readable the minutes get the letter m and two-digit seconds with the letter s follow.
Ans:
10h22
